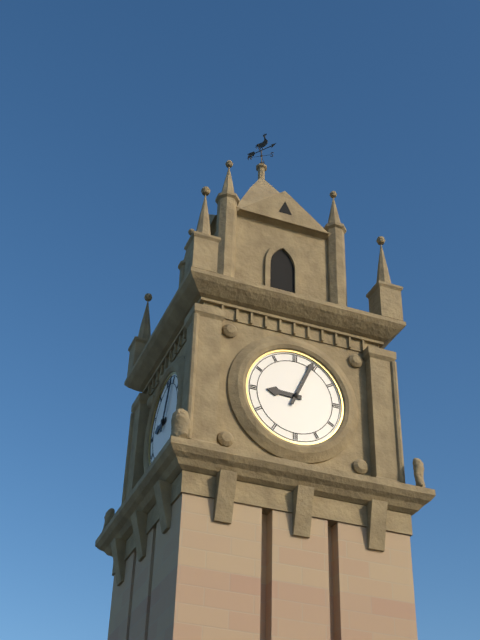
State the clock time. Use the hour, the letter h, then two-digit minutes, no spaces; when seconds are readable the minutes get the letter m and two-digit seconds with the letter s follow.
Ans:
9h04
